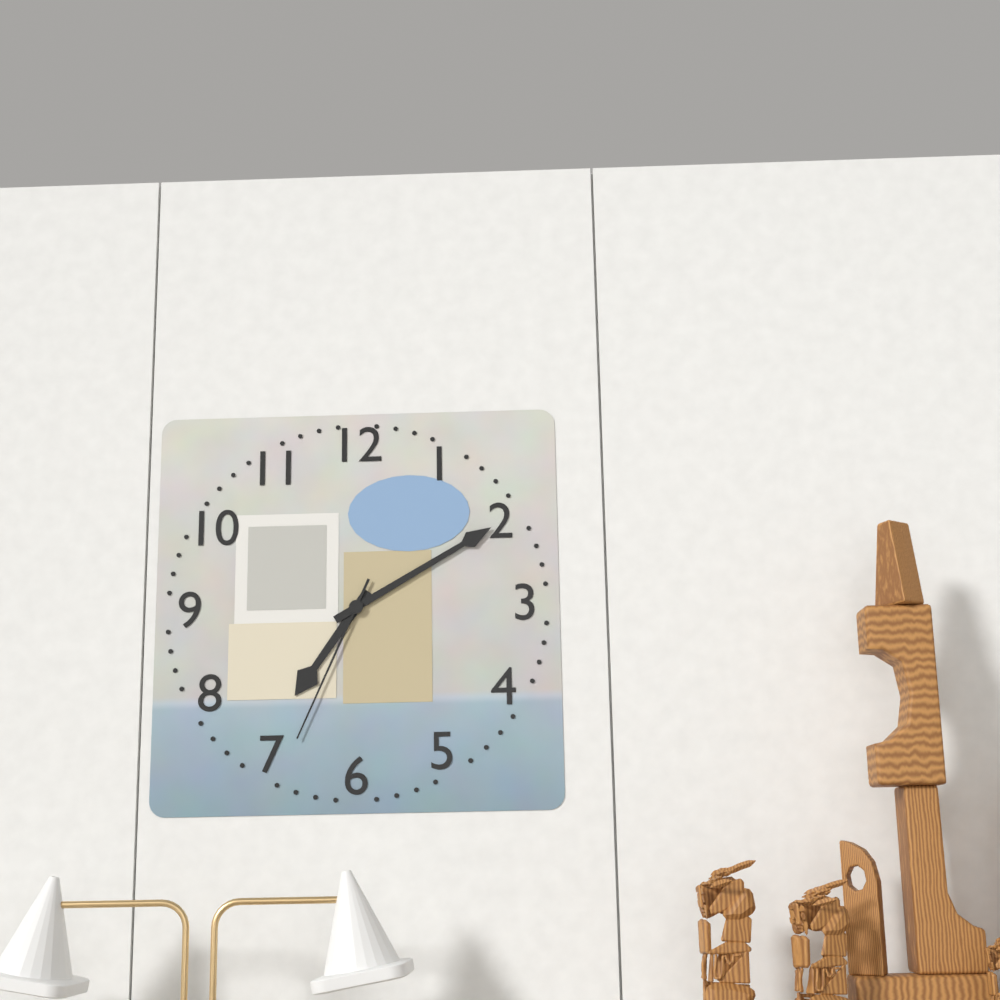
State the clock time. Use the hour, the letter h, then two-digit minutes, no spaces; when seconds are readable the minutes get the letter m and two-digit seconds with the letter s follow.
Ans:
7h10m34s
